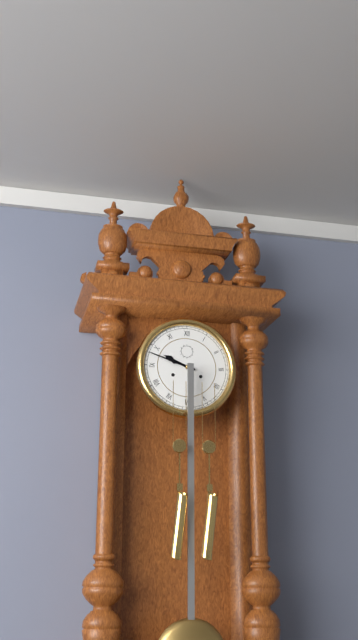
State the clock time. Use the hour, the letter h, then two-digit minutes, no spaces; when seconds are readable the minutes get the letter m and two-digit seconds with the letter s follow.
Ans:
9h48
